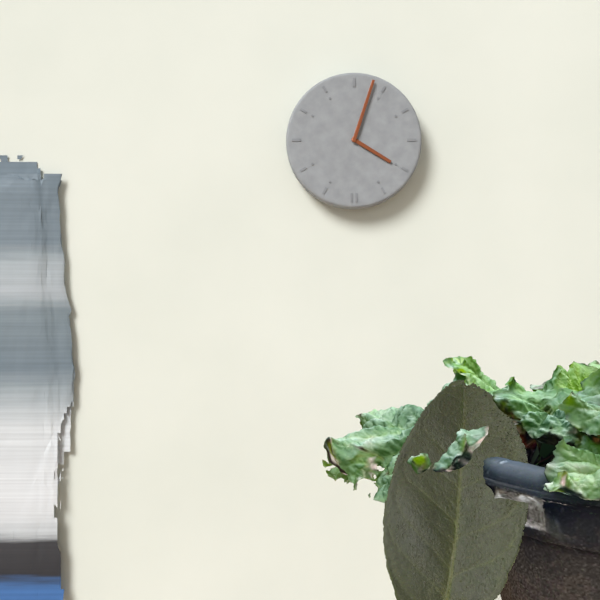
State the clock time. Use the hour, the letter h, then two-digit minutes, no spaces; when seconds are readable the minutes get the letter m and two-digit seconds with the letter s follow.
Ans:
4h03
